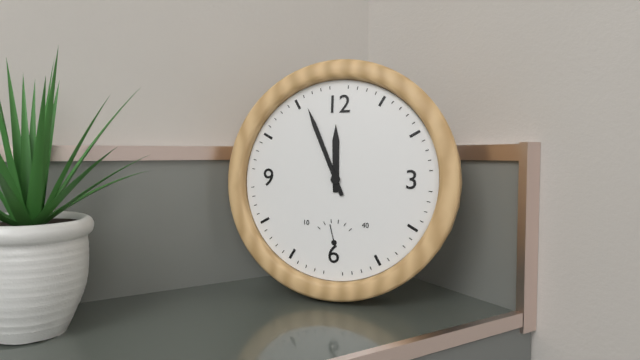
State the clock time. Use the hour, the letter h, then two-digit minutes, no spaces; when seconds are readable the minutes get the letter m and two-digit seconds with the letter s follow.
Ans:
11h56
